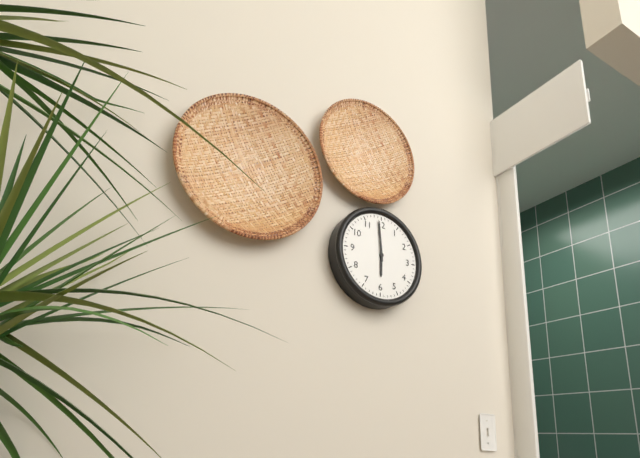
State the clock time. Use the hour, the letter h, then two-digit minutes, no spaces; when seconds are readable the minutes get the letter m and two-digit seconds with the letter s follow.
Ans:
5h59
